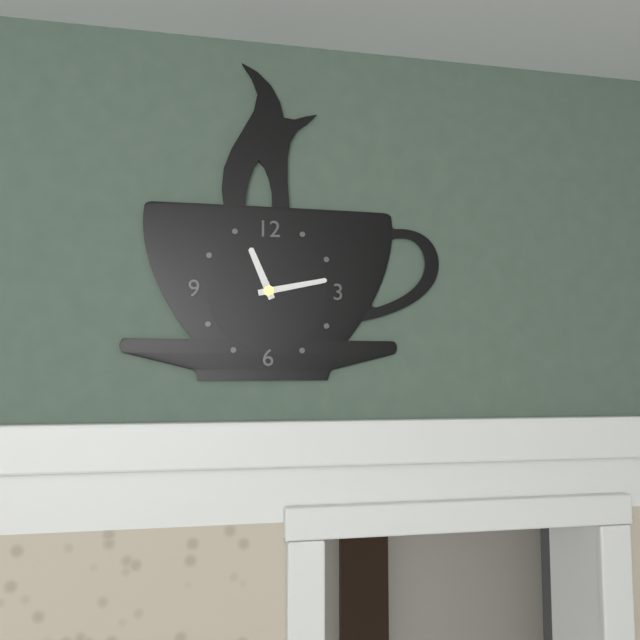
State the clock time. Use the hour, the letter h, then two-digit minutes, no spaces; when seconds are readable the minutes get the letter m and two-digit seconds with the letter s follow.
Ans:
11h13
